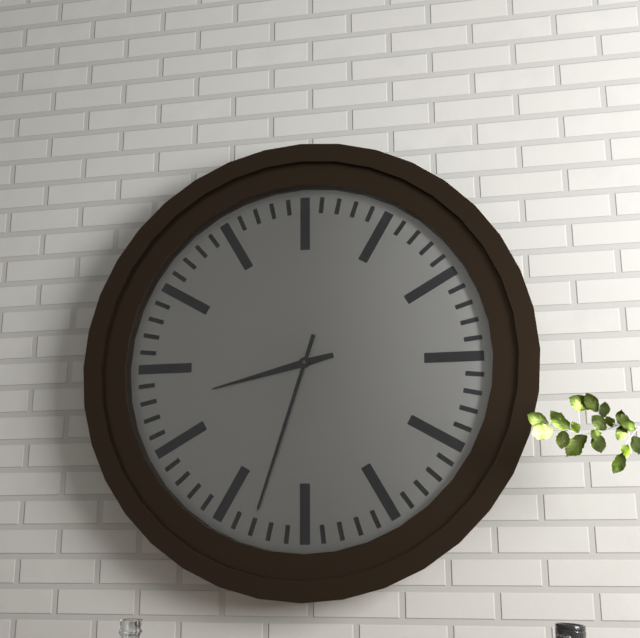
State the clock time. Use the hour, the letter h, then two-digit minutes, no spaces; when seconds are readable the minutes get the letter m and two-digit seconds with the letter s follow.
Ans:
8h33
